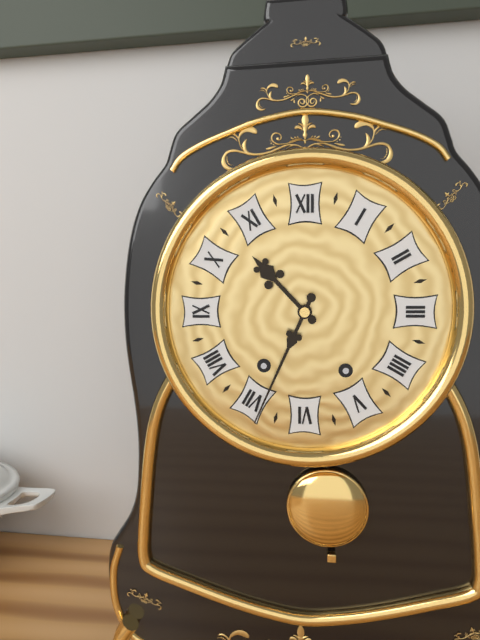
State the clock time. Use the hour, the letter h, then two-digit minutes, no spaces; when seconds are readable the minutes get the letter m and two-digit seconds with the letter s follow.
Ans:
10h34
